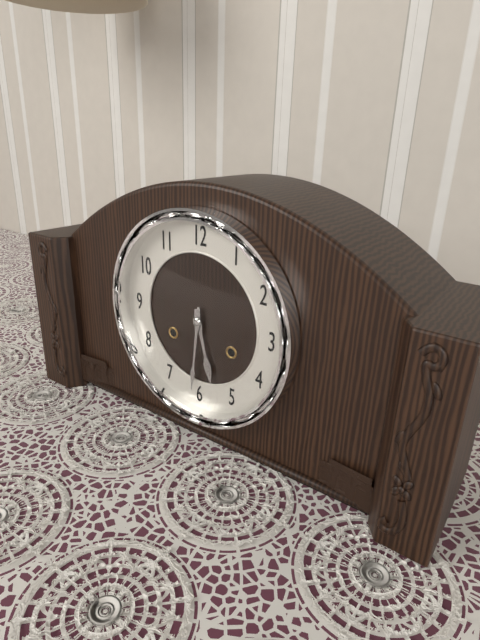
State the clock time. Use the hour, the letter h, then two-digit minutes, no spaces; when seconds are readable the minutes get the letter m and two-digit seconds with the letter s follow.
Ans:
5h31
